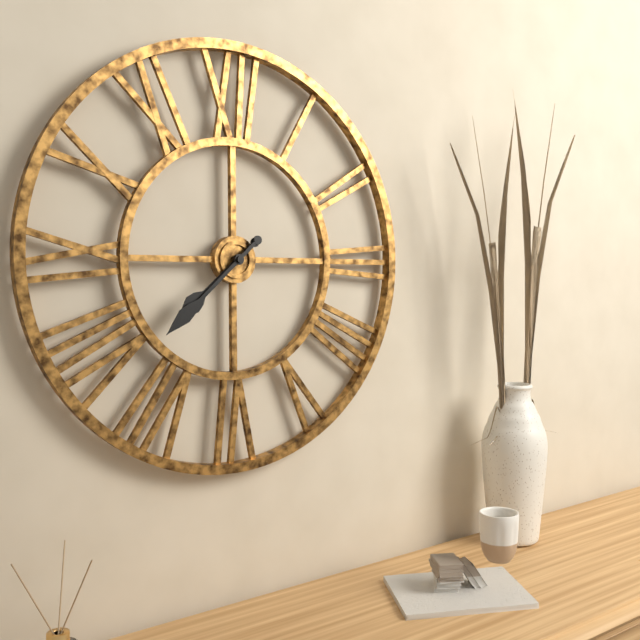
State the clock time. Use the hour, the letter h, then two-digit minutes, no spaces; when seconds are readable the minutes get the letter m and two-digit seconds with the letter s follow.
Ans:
7h38
